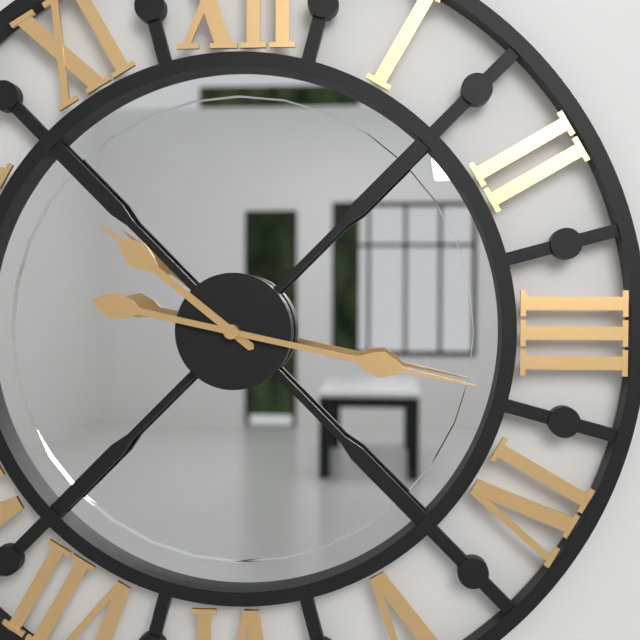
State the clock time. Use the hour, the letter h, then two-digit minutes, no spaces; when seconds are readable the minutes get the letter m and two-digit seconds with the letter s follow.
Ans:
10h17
